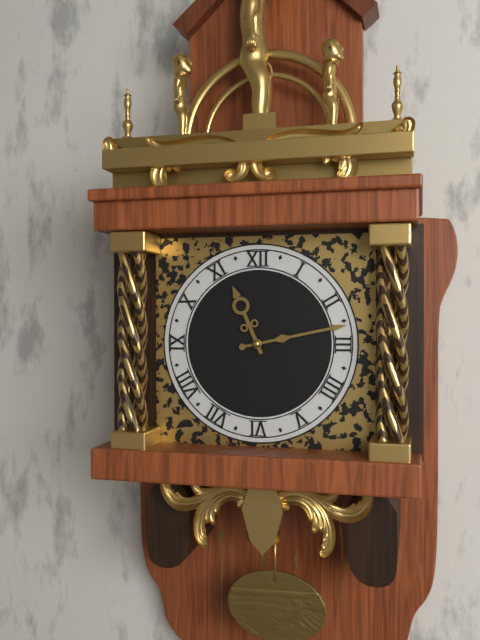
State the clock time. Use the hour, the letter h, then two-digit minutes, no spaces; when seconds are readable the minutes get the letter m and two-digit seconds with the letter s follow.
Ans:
11h13
